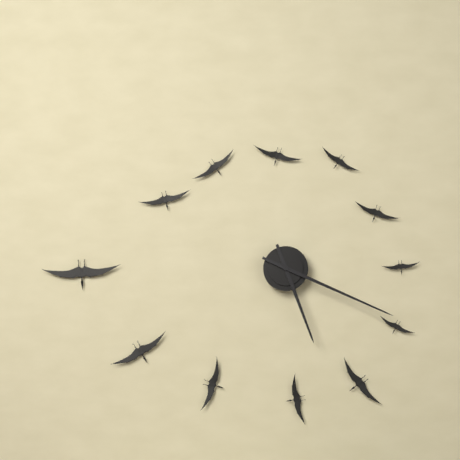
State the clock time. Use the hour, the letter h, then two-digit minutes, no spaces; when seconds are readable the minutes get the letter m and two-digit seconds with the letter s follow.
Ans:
5h19
